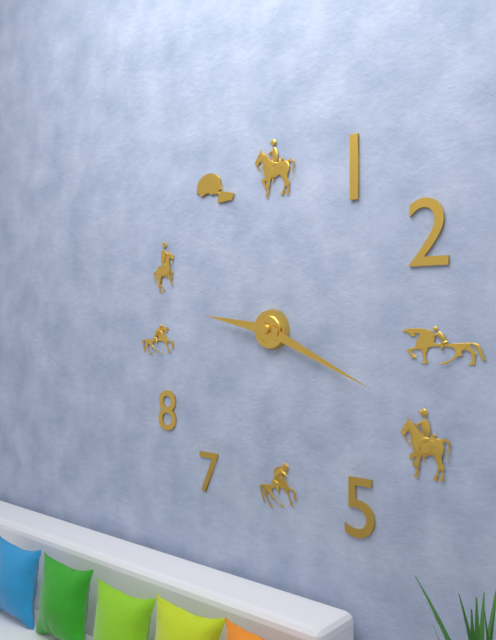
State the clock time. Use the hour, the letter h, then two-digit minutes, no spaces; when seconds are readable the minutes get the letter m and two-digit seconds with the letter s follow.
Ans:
9h19
